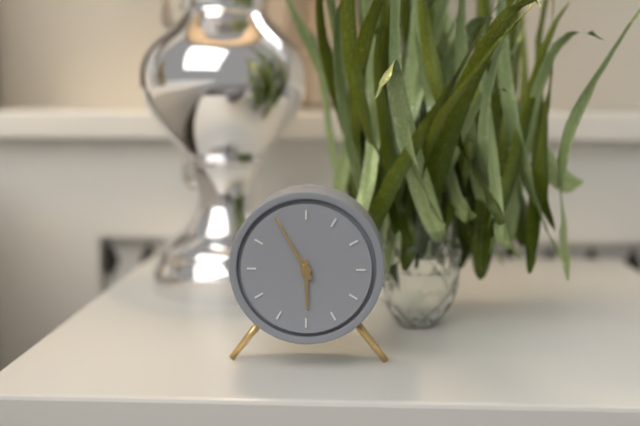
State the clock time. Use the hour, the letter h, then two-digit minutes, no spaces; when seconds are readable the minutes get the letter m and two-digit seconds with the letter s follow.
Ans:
5h55
